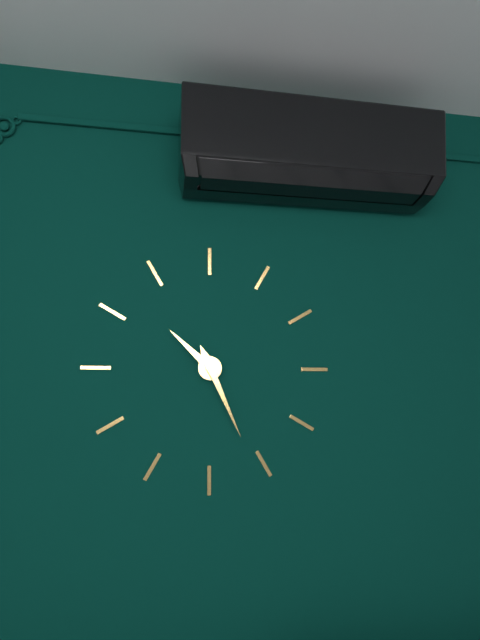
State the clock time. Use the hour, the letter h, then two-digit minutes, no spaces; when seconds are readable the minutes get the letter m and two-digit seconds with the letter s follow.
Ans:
10h26
